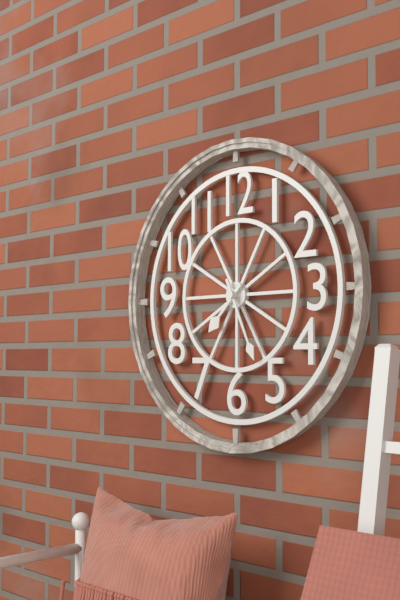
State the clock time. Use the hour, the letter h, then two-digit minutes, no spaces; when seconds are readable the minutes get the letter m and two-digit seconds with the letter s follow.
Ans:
7h26
